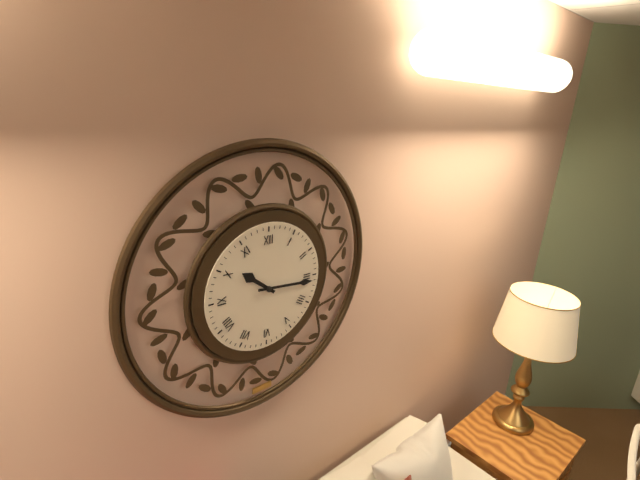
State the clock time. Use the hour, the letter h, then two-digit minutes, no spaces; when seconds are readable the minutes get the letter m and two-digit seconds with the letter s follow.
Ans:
10h16
